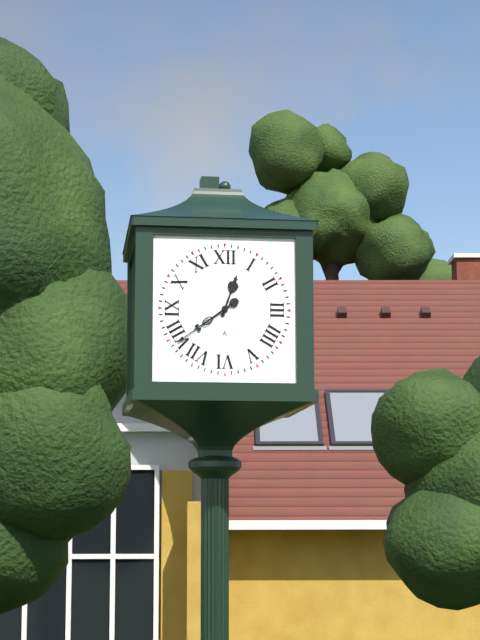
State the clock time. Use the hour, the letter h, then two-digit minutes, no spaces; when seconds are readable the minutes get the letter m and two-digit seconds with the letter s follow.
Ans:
12h39
